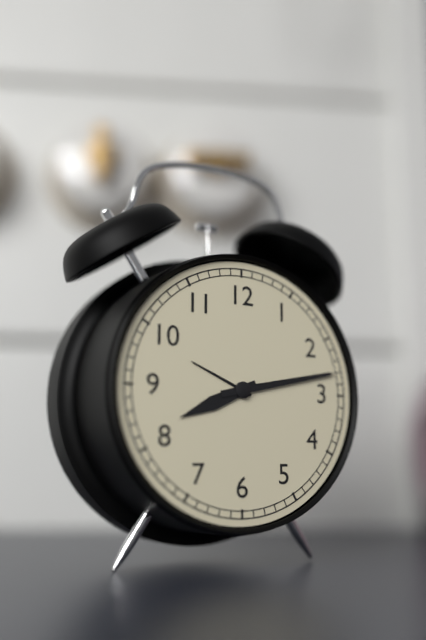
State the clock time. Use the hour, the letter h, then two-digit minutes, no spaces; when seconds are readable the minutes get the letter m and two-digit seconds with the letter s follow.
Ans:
8h13
